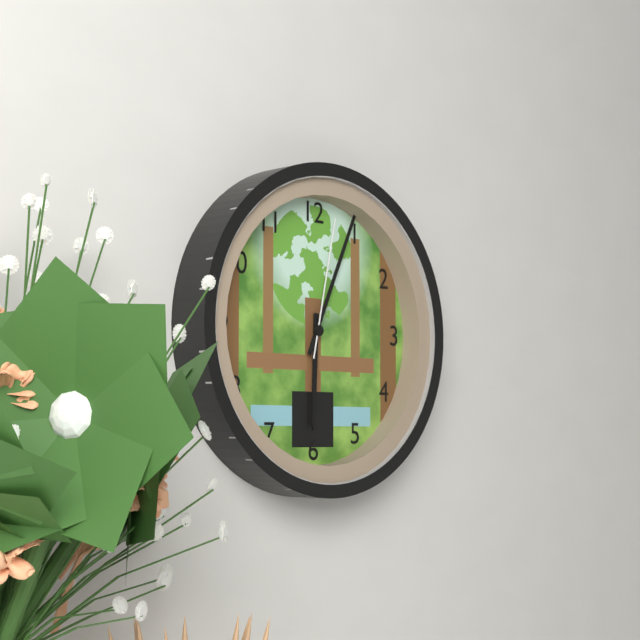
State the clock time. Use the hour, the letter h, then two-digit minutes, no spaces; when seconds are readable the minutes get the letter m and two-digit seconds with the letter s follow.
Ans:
6h04m02s
